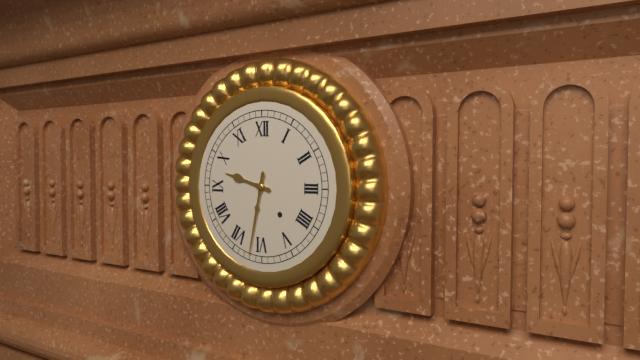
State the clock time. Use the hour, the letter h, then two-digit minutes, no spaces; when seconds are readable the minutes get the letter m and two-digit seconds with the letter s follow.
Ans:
9h32
